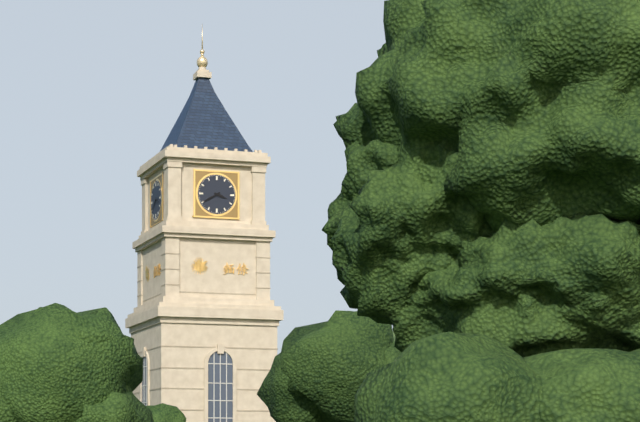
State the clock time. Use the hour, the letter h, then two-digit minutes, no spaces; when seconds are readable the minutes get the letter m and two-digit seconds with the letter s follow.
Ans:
3h40
